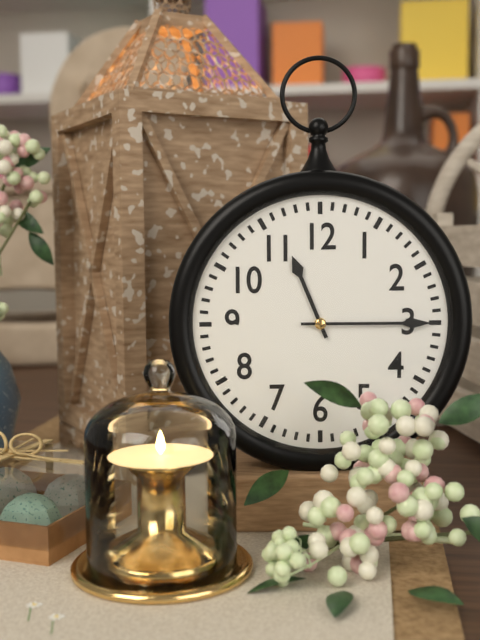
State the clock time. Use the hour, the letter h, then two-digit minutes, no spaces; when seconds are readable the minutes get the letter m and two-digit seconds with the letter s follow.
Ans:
11h15
